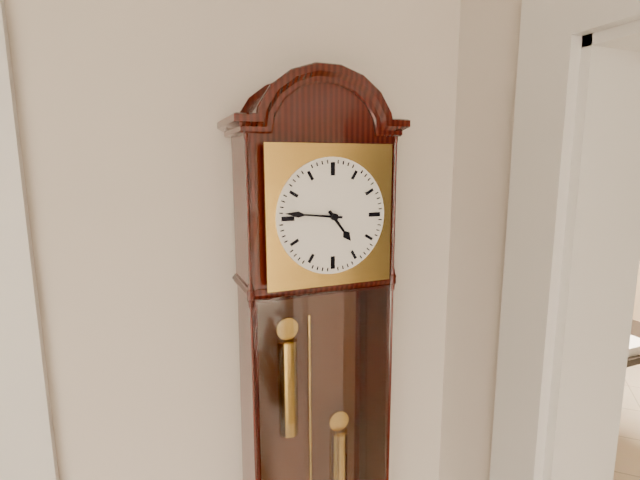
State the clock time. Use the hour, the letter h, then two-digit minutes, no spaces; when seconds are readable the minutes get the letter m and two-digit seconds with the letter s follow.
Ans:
4h46
